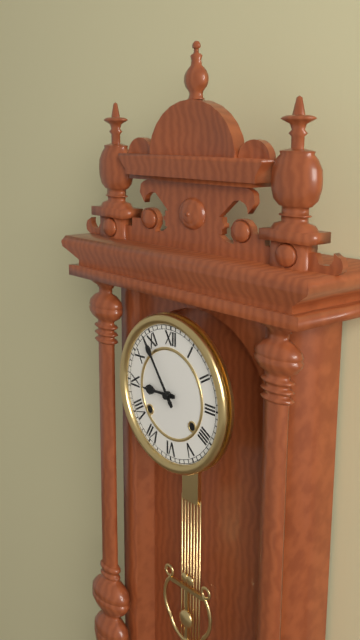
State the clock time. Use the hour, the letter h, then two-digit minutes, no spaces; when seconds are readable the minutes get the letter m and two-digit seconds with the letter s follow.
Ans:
8h54
